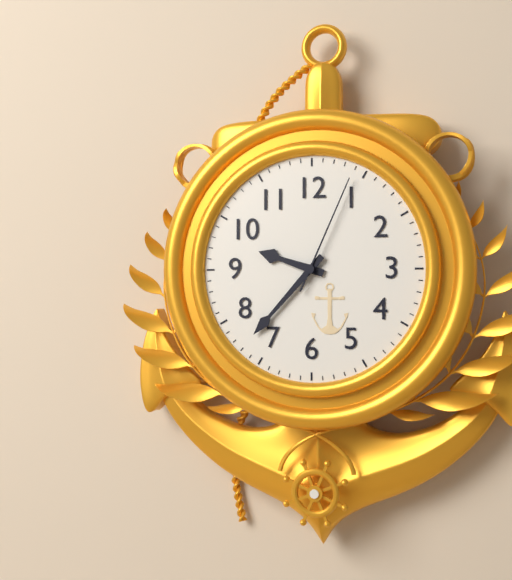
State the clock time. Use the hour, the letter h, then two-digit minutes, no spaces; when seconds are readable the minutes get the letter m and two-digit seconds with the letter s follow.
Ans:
9h37m04s
